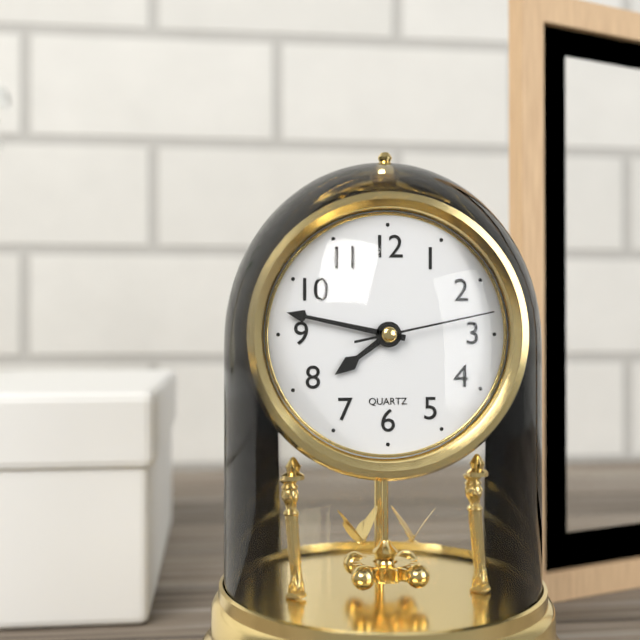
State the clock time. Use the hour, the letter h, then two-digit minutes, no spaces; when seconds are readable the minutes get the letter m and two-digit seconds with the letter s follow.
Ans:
7h47m13s
